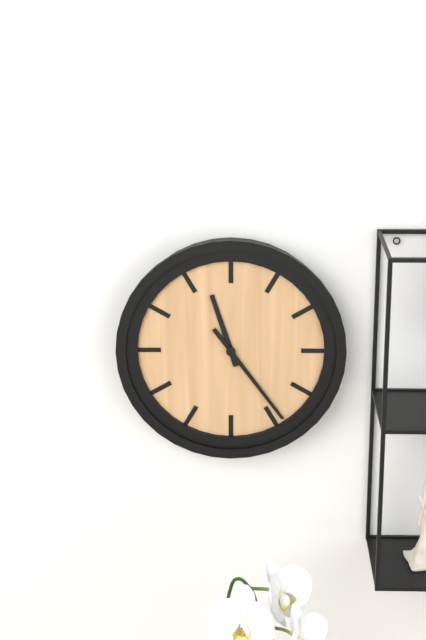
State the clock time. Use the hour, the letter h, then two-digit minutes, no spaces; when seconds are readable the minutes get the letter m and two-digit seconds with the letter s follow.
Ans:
11h24
